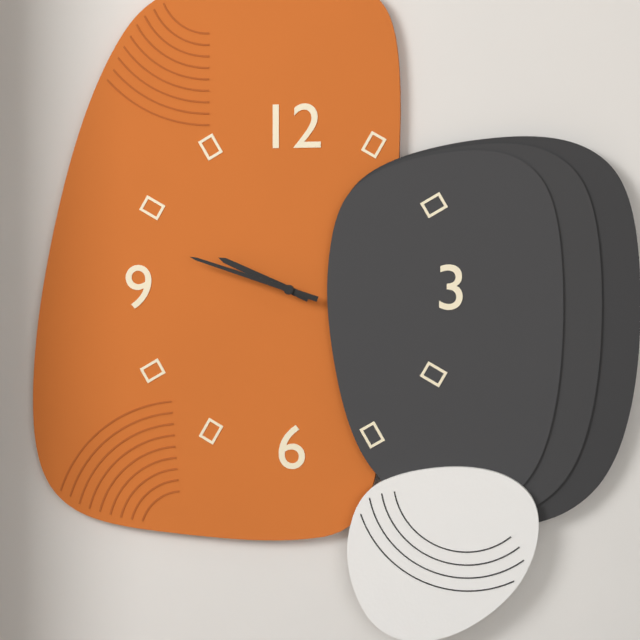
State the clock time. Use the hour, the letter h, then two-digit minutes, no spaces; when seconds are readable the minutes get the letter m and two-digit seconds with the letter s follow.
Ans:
9h48
